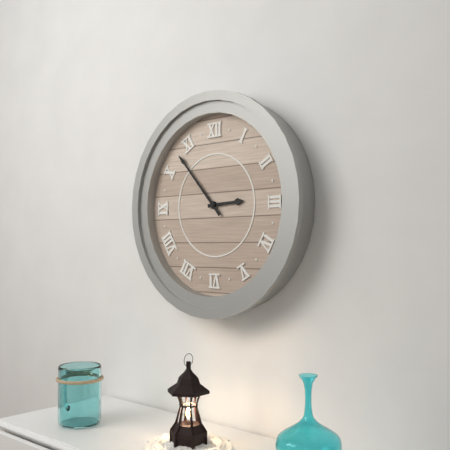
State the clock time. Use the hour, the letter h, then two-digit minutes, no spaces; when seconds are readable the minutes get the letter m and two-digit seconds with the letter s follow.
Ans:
2h53
